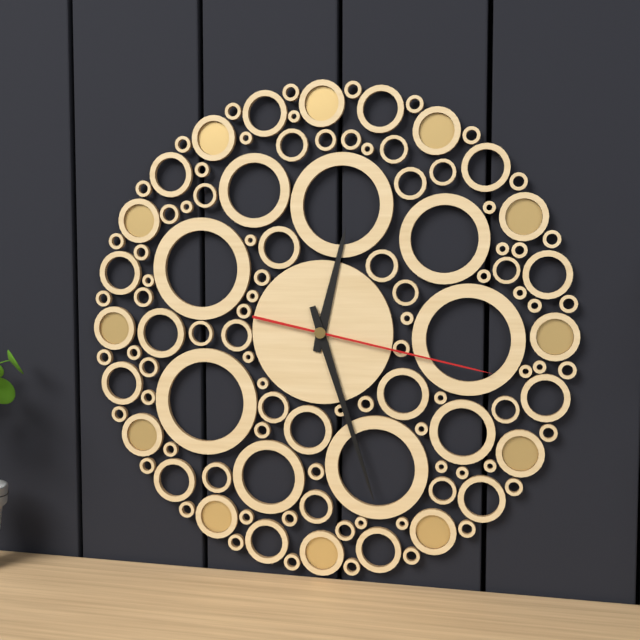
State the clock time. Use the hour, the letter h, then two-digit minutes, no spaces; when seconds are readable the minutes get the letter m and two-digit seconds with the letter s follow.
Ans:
12h27m17s
